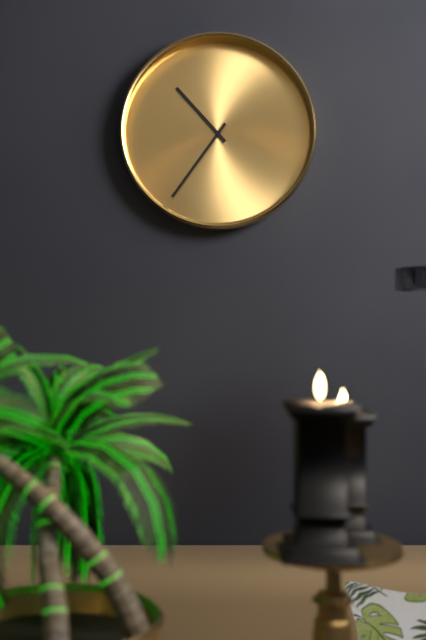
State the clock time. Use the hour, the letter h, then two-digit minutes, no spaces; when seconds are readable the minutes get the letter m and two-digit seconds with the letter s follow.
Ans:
10h36
